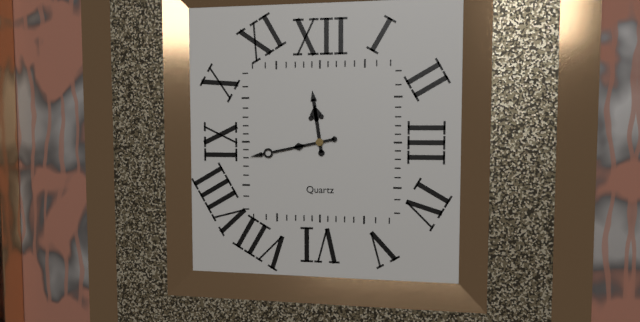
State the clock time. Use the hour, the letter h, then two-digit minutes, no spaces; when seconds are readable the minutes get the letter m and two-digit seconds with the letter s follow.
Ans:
11h43
